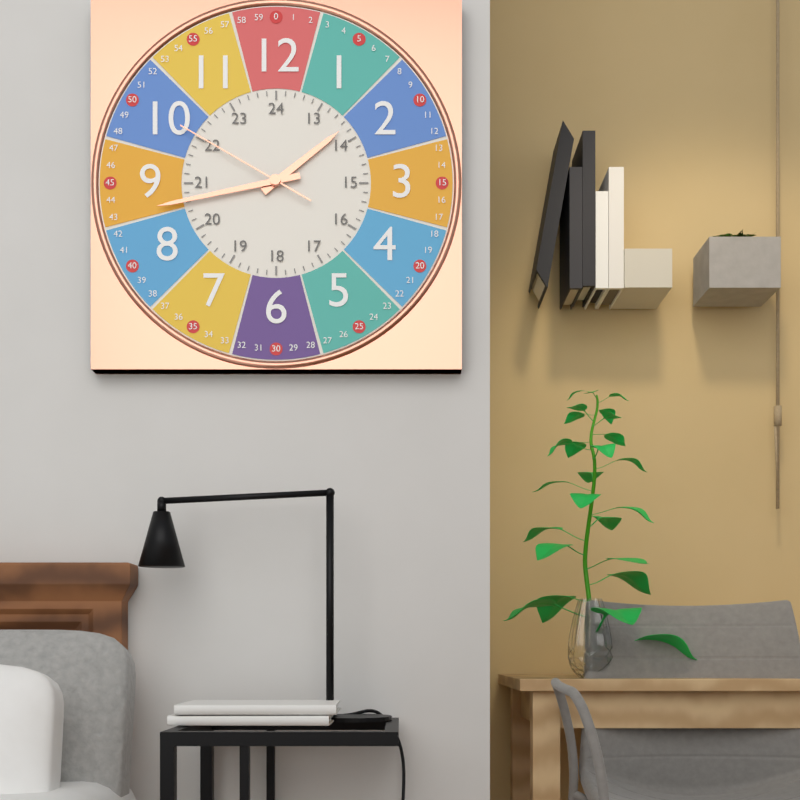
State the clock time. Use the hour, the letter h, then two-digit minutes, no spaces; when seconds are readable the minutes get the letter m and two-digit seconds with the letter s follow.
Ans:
1h43m50s
